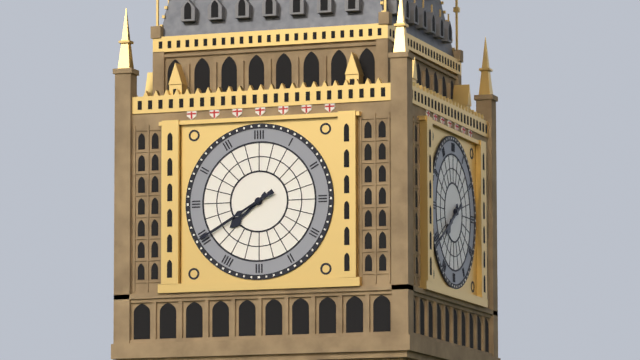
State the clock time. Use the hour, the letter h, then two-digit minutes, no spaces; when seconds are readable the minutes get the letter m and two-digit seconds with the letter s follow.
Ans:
7h40
